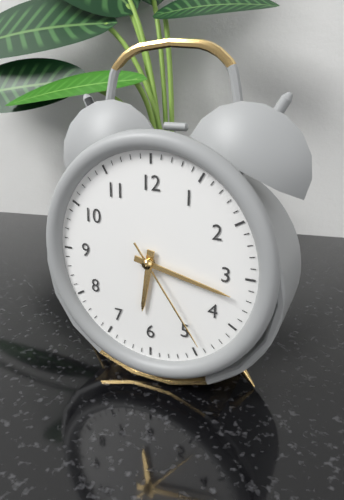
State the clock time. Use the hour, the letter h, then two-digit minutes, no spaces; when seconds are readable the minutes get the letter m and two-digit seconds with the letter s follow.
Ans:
6h17m24s
